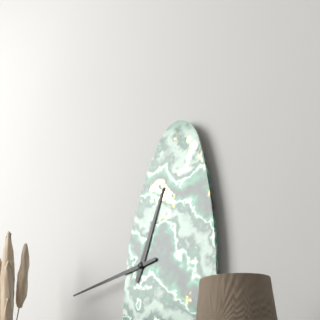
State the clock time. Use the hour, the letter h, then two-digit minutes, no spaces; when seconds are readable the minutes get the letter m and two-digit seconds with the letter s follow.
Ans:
12h43
